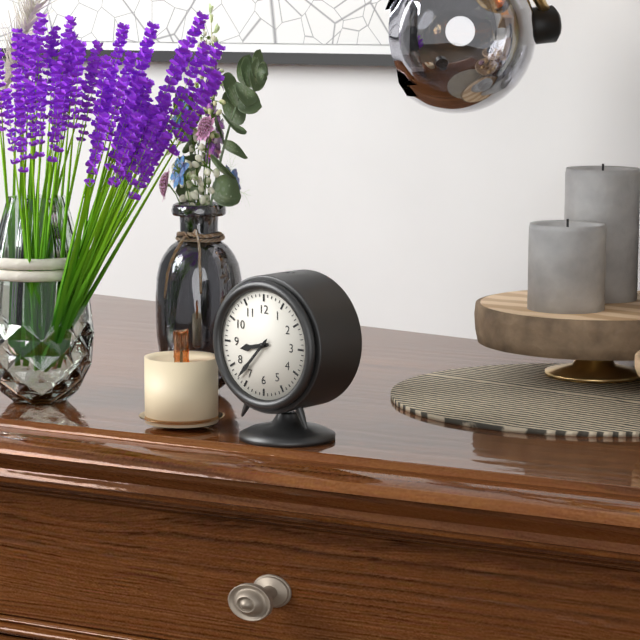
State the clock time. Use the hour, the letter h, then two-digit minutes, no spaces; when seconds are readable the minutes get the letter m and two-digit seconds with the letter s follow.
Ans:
8h37
